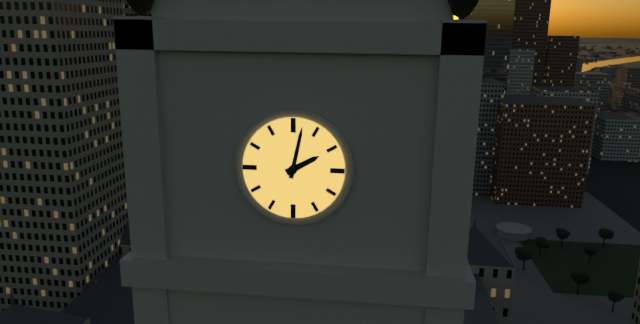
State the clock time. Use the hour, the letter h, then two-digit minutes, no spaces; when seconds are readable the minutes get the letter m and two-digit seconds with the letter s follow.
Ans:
2h02
